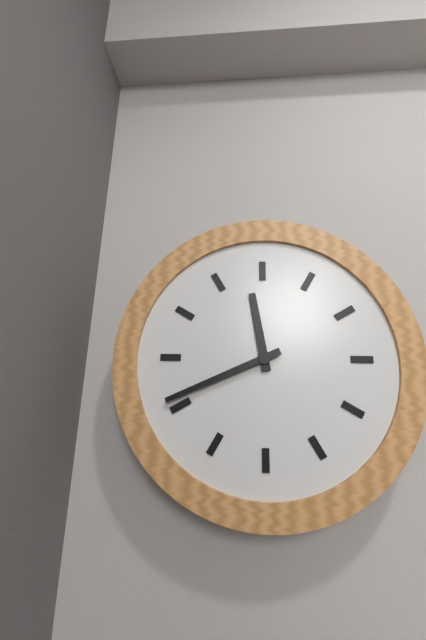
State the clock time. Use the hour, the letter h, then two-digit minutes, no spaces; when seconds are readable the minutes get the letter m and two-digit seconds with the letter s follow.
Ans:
11h41
